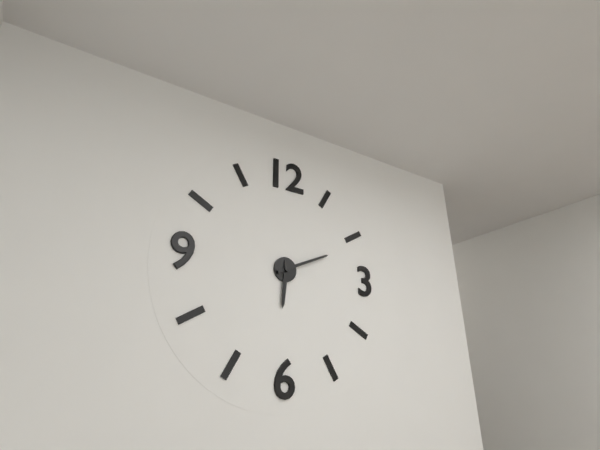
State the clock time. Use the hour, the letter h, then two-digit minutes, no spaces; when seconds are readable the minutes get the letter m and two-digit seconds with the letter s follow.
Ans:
6h11
